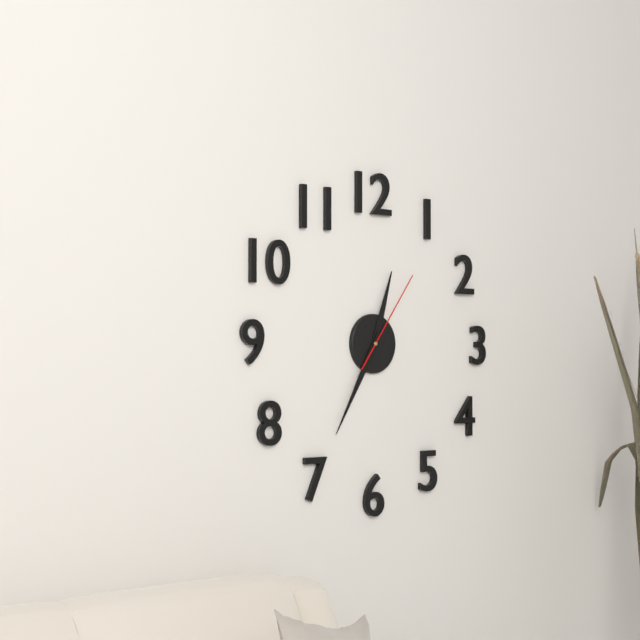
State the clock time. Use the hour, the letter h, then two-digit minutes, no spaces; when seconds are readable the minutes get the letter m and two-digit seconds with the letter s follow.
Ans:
12h35m06s
